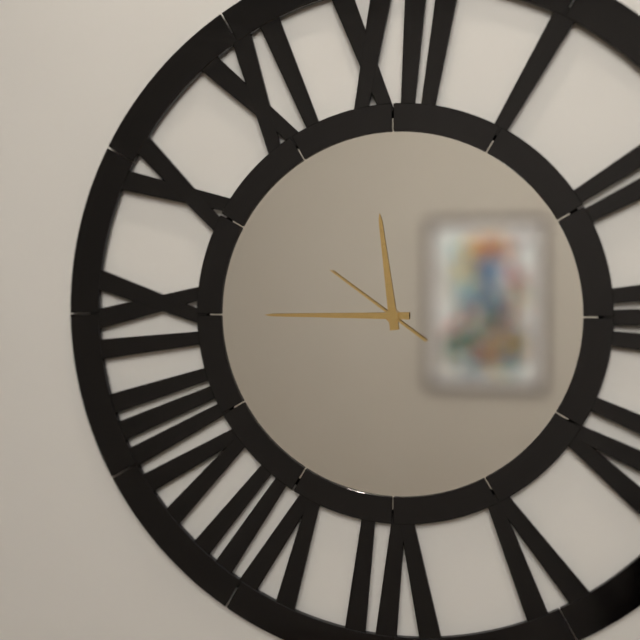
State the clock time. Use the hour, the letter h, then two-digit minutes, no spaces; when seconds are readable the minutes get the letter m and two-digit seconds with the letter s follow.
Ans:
11h45m51s
